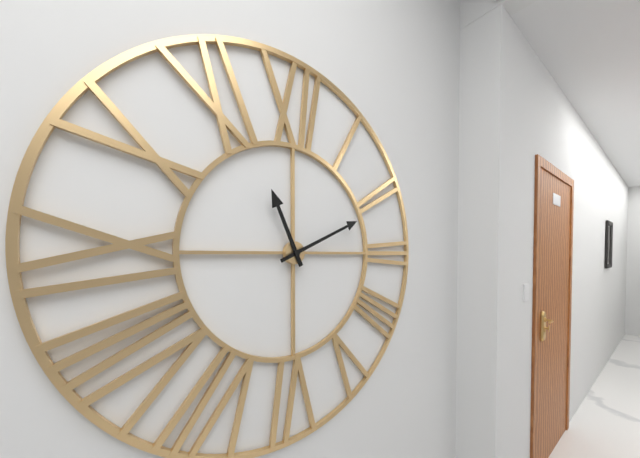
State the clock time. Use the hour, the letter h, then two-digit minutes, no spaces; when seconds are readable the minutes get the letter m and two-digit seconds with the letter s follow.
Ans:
11h11
